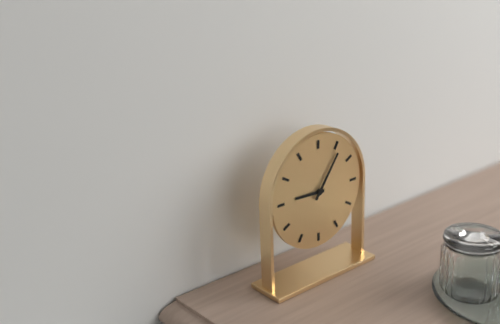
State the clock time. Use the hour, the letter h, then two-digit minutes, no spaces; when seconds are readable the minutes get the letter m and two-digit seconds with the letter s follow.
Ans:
9h06
